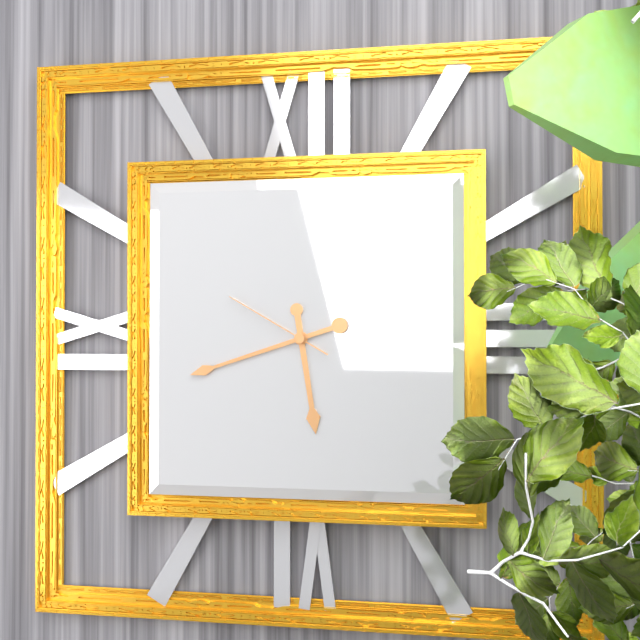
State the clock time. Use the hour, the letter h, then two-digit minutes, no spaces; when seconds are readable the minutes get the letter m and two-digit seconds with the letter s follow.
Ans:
5h42m50s
